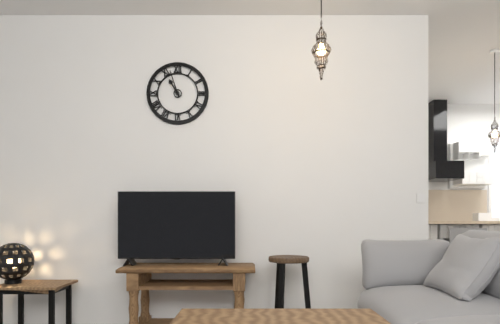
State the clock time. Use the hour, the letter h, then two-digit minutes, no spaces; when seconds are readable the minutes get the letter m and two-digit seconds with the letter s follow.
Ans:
10h57
